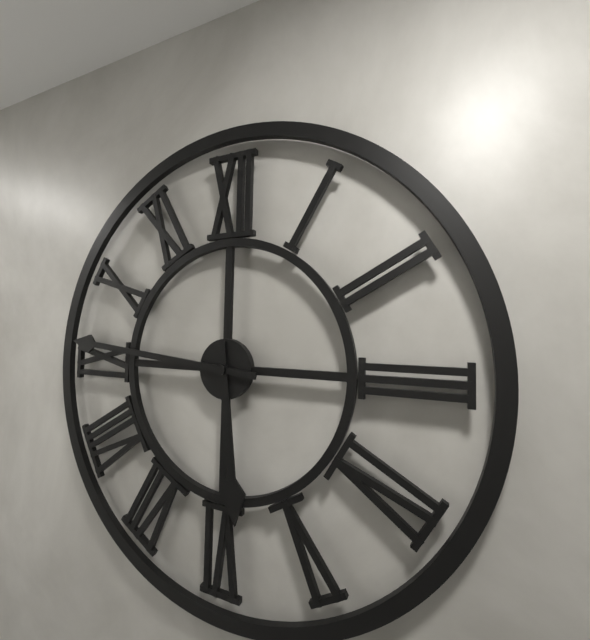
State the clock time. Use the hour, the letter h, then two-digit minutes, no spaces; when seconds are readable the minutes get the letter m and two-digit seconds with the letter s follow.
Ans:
5h46
